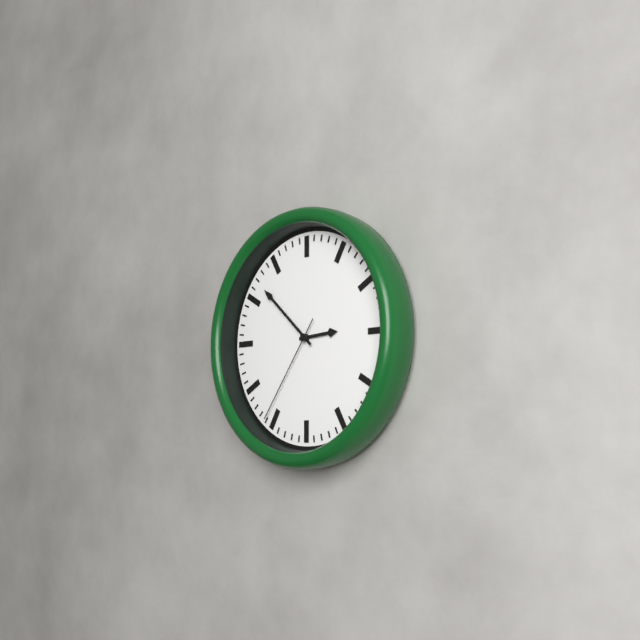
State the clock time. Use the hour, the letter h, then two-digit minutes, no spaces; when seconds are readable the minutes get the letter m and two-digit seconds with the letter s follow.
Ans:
2h52m36s
